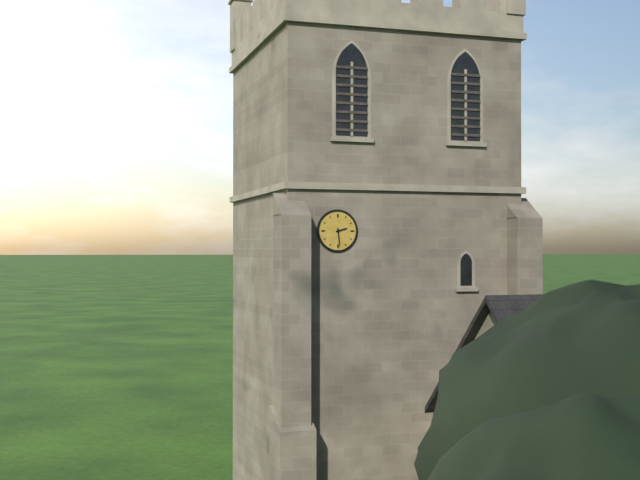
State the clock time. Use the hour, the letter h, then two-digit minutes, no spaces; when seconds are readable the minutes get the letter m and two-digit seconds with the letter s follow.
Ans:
2h29
